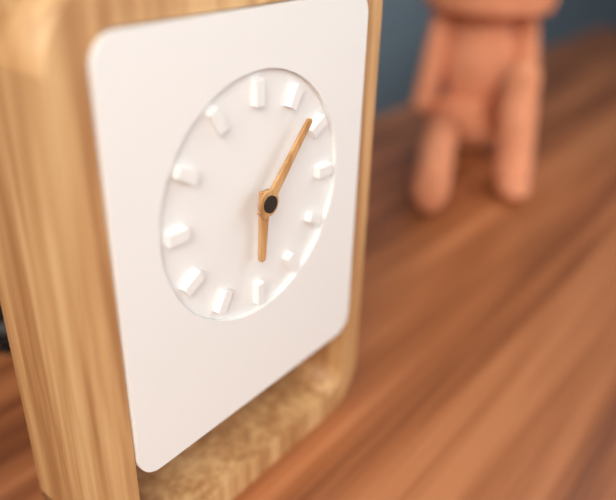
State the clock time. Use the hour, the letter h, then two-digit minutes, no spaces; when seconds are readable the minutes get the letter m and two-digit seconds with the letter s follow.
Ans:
6h07
